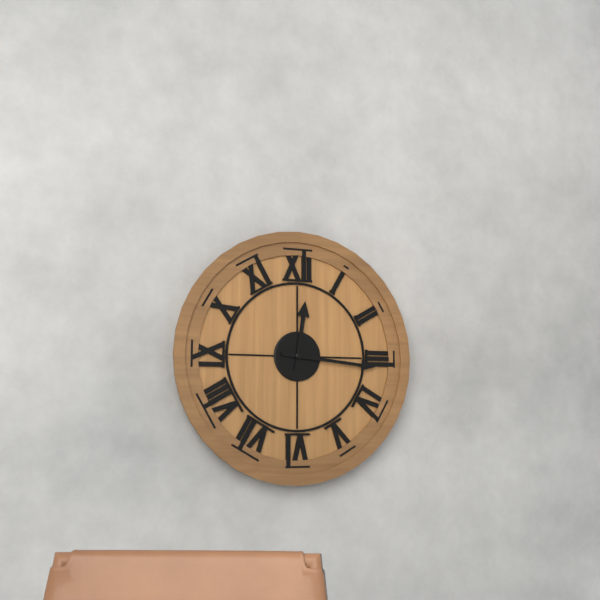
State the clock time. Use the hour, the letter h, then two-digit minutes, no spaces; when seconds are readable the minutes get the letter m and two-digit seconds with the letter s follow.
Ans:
12h16
